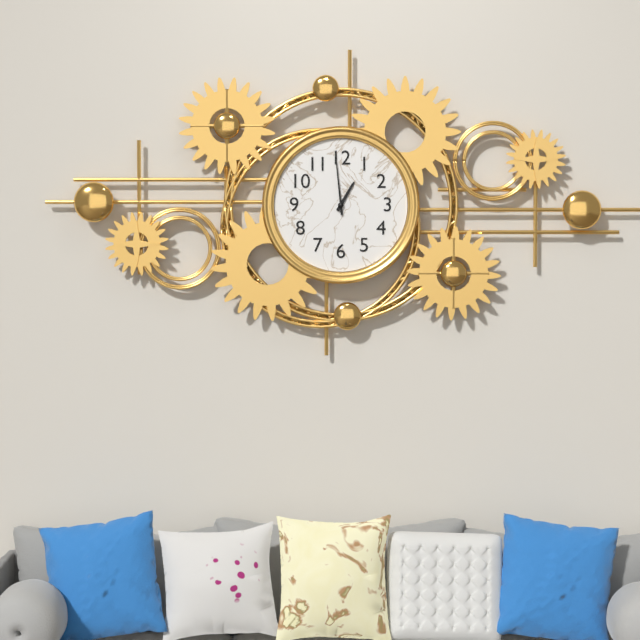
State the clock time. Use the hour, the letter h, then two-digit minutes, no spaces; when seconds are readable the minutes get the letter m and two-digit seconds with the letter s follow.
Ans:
12h59
